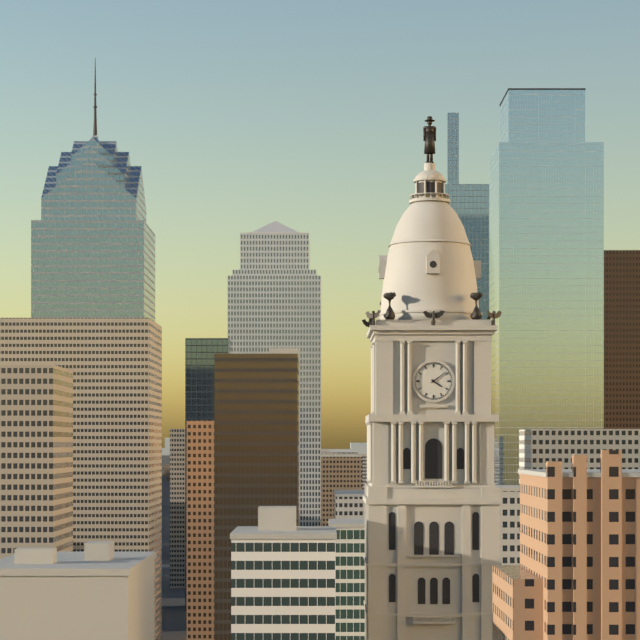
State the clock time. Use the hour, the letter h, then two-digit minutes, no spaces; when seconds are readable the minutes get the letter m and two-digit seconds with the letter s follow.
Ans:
4h09
